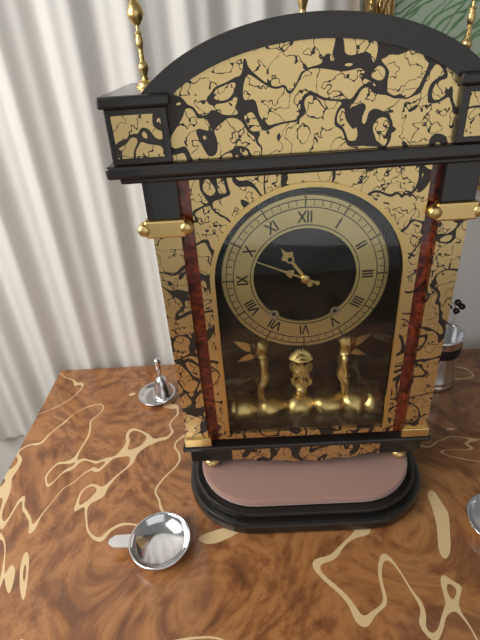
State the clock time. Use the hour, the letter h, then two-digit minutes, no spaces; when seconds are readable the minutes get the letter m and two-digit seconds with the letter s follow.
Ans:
10h49
